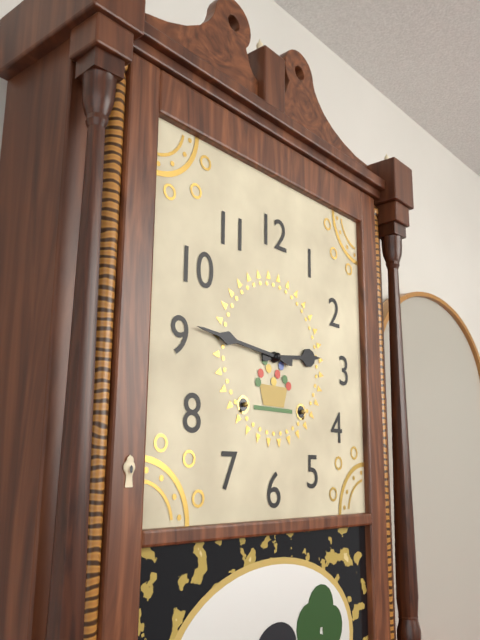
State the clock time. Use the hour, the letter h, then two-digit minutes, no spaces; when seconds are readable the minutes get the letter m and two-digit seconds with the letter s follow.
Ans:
2h46
